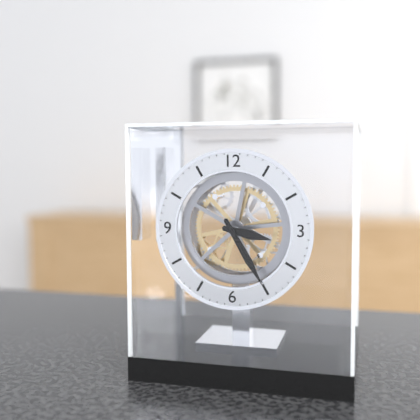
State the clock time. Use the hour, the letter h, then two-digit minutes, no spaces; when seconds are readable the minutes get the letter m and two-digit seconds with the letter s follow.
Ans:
3h25
